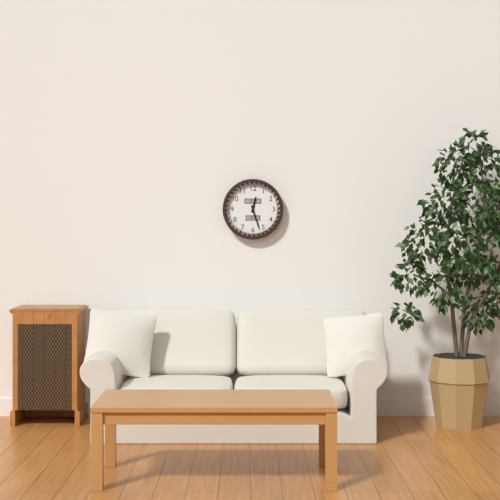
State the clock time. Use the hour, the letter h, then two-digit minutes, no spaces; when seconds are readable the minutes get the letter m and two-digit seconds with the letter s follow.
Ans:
12h27
